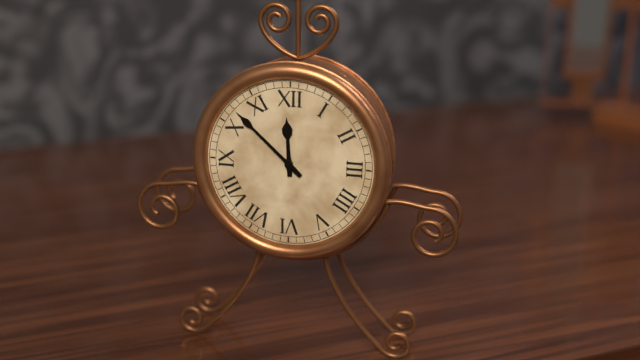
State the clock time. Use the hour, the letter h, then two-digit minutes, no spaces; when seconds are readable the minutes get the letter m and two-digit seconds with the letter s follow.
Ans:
11h52
